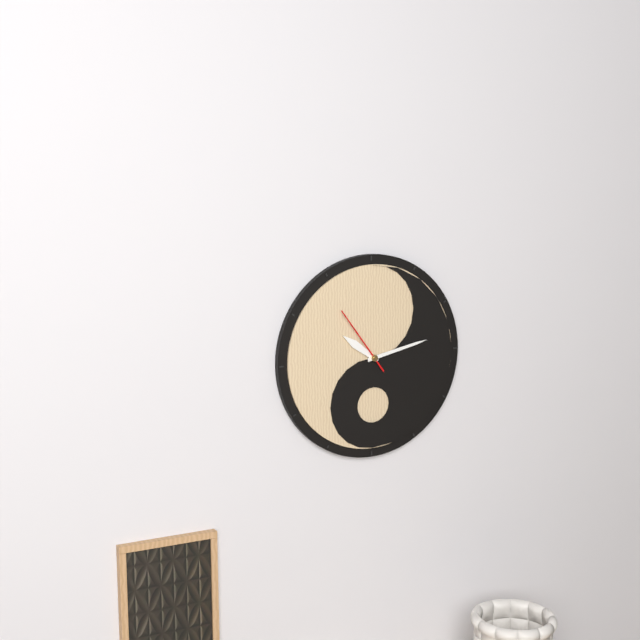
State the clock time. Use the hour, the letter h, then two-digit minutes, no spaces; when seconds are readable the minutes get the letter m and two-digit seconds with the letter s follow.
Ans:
10h13m54s
